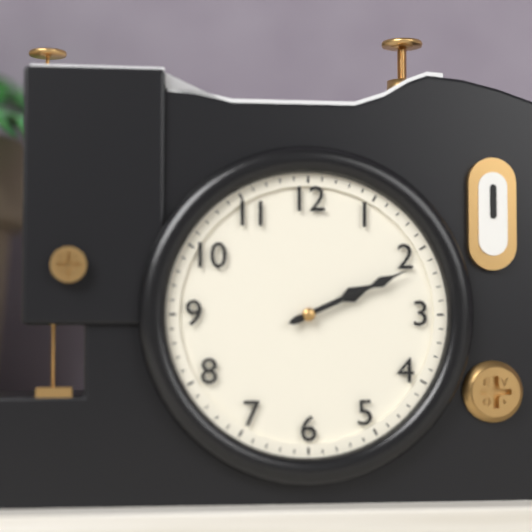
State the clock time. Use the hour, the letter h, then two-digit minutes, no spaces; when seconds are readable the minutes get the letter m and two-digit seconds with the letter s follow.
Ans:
2h11
